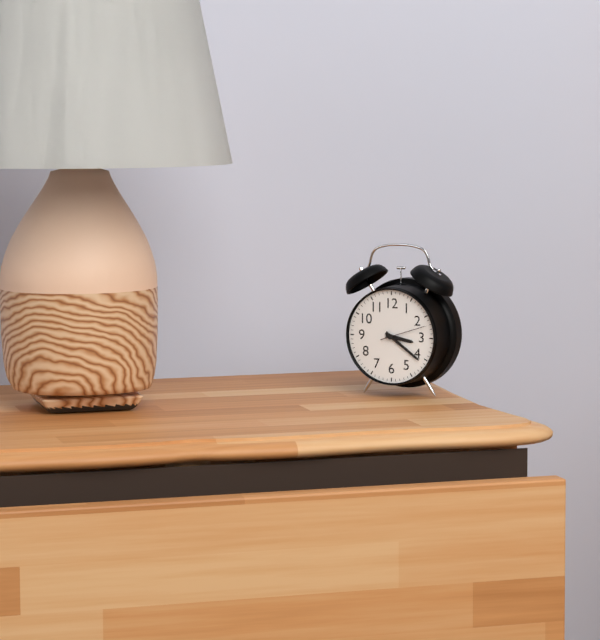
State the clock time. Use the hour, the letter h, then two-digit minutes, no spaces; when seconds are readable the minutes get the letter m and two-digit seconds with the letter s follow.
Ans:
3h21
